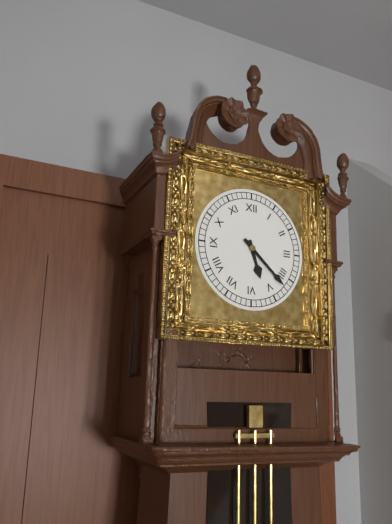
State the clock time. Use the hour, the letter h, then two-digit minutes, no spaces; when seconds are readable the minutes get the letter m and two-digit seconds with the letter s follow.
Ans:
5h22
